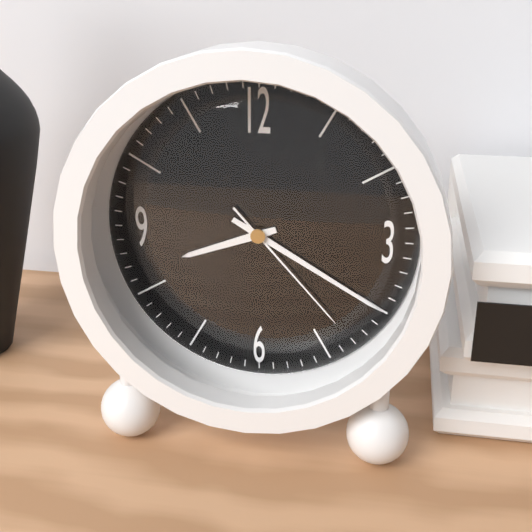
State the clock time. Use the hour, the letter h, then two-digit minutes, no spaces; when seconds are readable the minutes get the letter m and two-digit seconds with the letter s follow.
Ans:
8h20m23s
